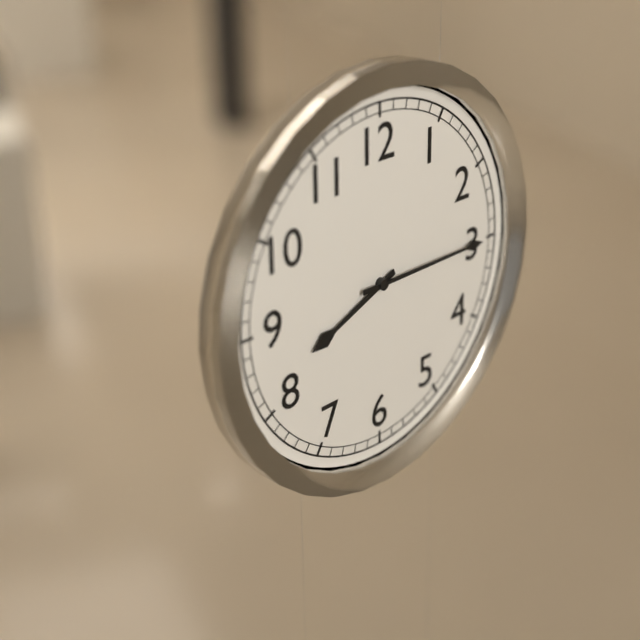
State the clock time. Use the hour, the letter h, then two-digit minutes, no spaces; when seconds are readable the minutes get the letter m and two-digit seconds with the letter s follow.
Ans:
8h15
